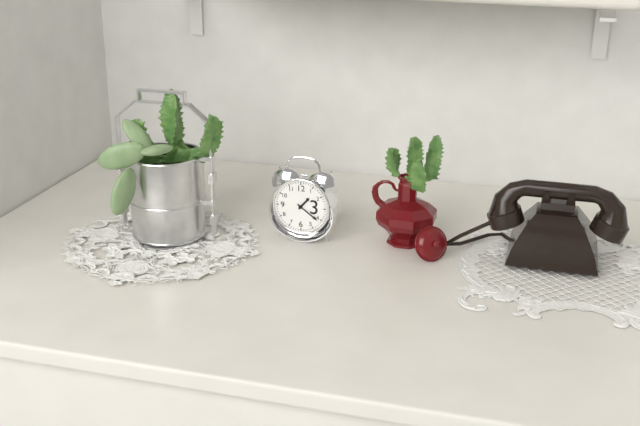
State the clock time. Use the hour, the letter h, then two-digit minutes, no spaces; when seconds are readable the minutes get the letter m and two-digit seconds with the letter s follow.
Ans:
1h21
